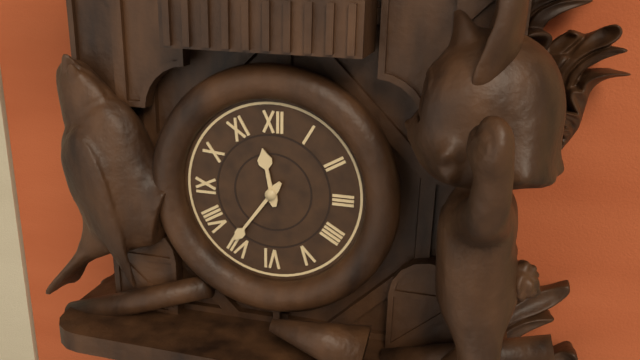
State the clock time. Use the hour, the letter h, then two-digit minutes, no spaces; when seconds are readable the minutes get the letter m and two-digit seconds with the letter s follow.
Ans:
11h36
